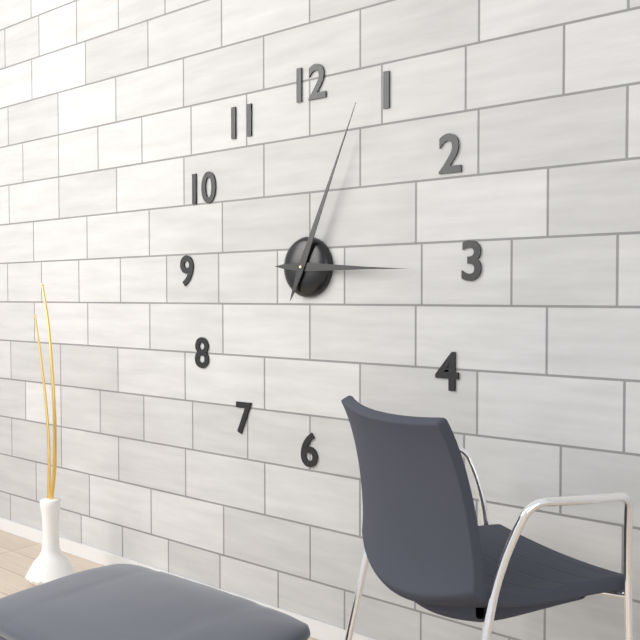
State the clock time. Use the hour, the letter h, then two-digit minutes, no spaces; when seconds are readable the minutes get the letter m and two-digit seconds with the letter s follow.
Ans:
3h04
